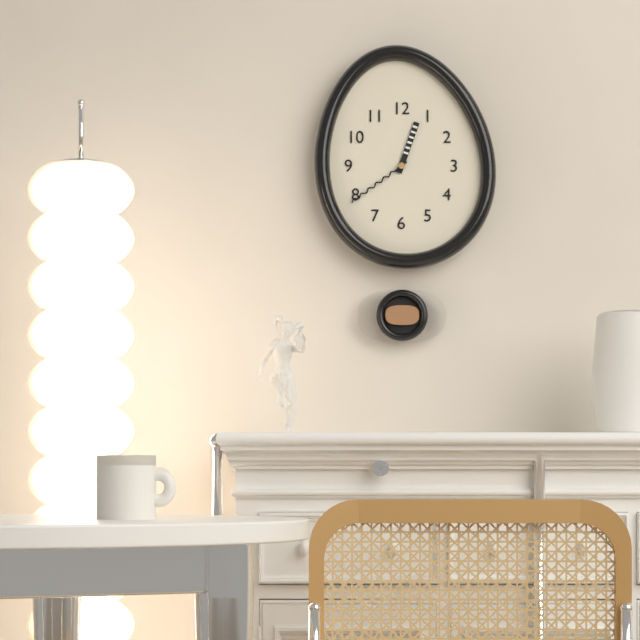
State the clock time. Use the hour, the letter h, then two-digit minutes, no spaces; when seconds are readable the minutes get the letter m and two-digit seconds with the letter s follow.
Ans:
12h39
